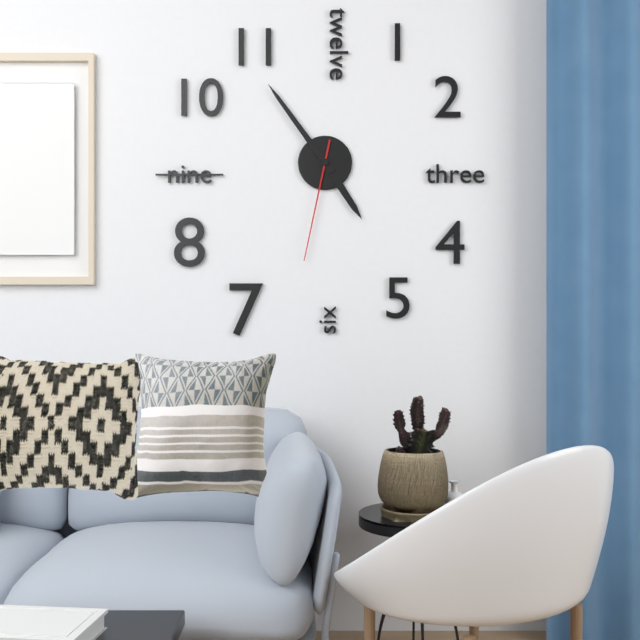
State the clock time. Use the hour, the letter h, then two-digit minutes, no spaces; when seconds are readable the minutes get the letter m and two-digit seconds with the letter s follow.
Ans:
4h54m32s
